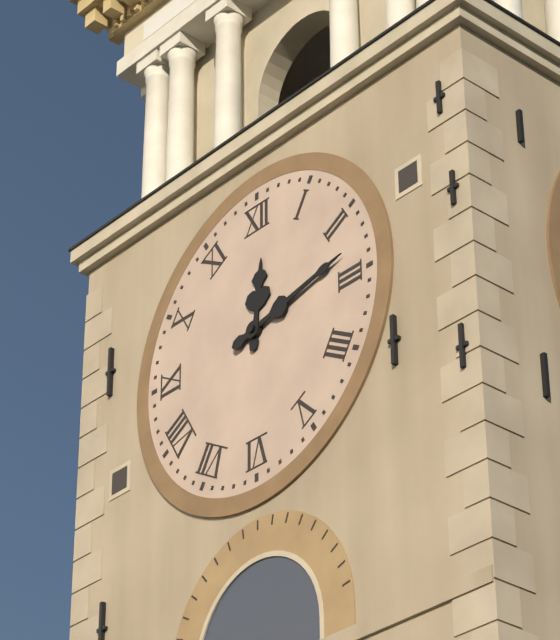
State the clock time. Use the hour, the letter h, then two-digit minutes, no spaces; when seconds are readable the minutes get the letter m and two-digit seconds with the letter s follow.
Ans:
12h13
